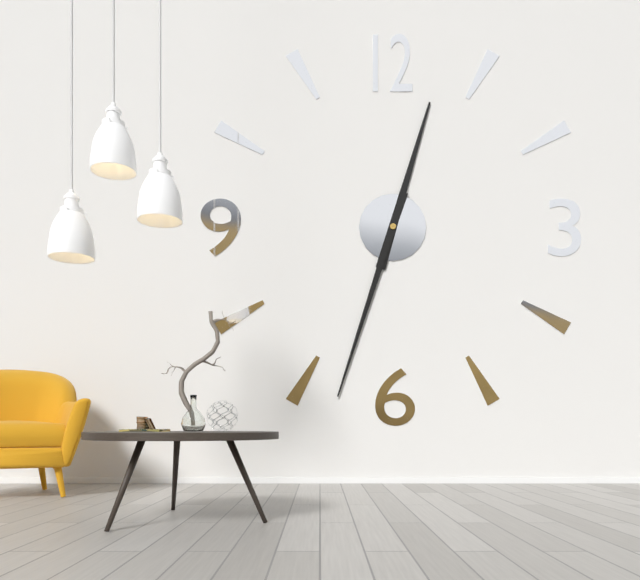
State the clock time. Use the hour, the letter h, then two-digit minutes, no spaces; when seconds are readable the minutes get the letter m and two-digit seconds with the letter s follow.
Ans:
12h33
